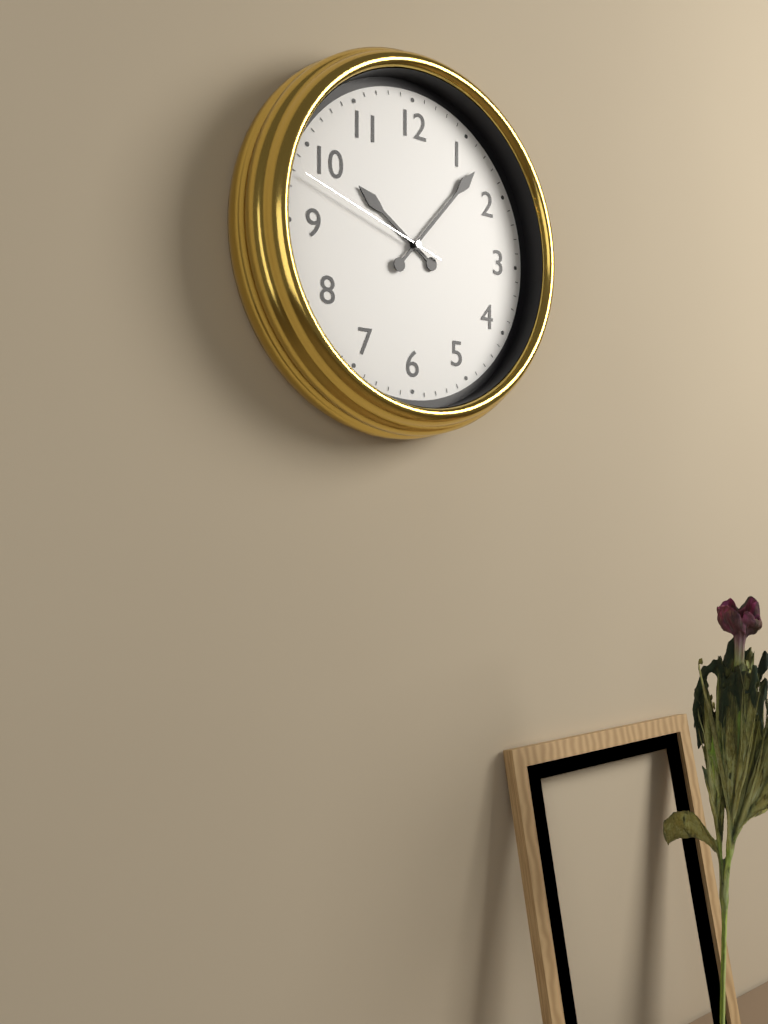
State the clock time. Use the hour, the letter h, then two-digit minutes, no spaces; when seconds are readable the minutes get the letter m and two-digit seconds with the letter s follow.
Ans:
10h07m48s
